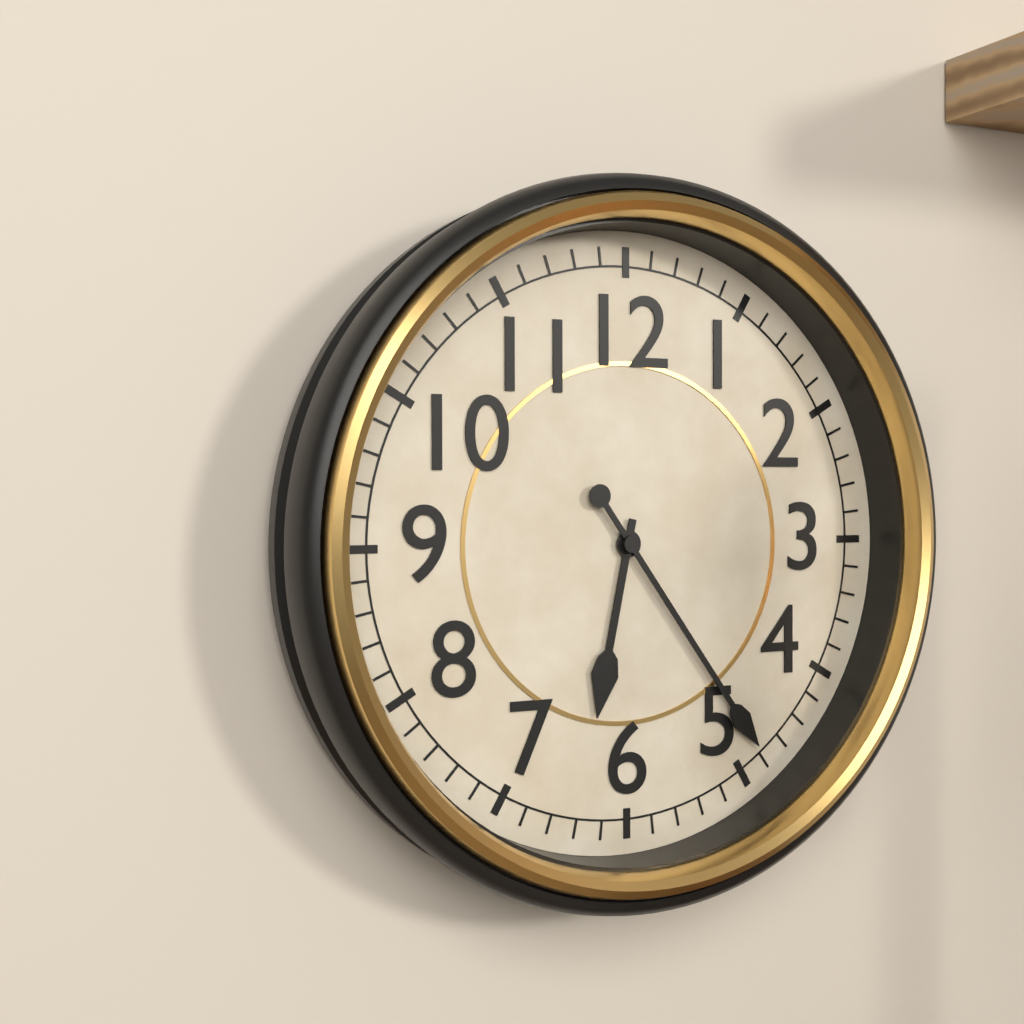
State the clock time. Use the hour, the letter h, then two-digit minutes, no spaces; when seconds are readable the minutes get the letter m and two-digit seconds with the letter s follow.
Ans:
6h24
